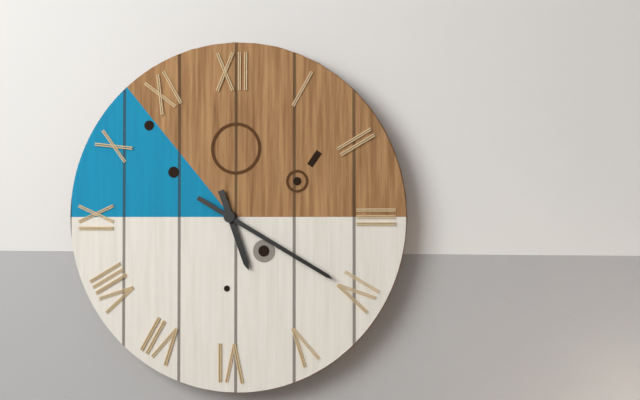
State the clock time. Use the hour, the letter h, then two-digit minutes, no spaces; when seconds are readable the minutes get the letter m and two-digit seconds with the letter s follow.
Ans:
5h20
